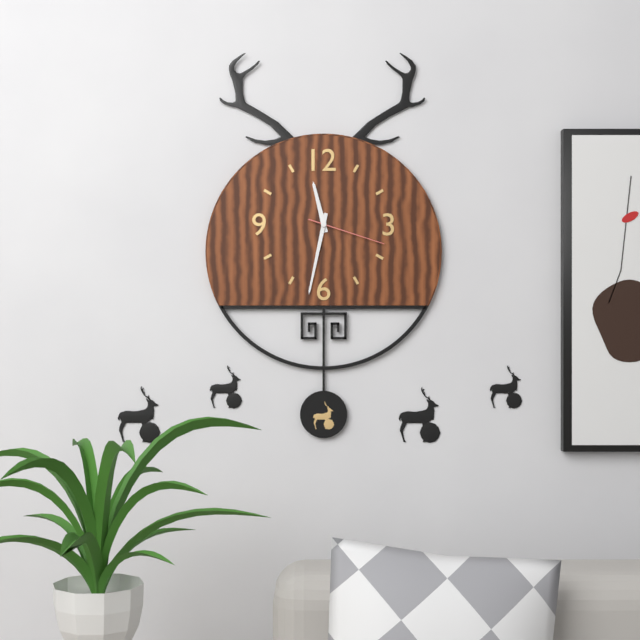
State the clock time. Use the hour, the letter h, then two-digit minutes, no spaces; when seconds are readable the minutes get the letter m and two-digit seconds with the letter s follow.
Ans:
11h32m18s
